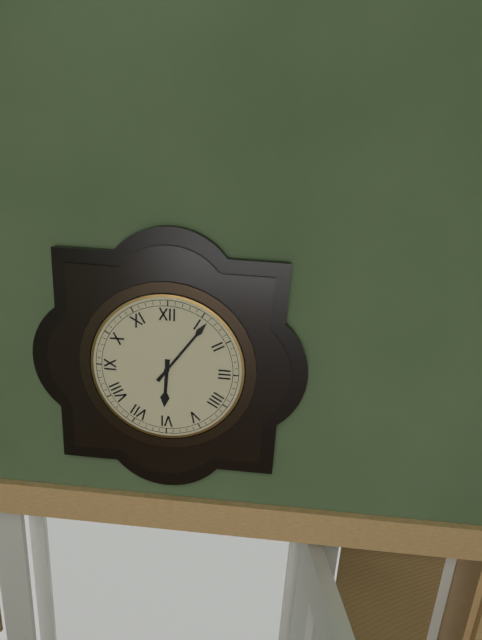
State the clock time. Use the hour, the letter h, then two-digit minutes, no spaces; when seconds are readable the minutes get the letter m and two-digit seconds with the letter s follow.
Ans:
6h06
